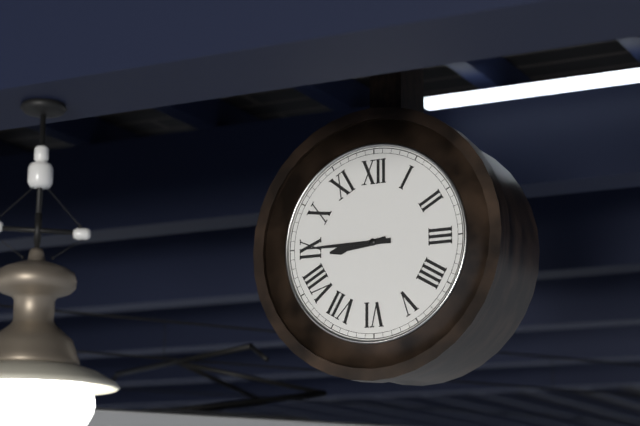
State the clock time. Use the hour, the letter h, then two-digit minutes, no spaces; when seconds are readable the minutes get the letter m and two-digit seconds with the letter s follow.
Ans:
8h45
